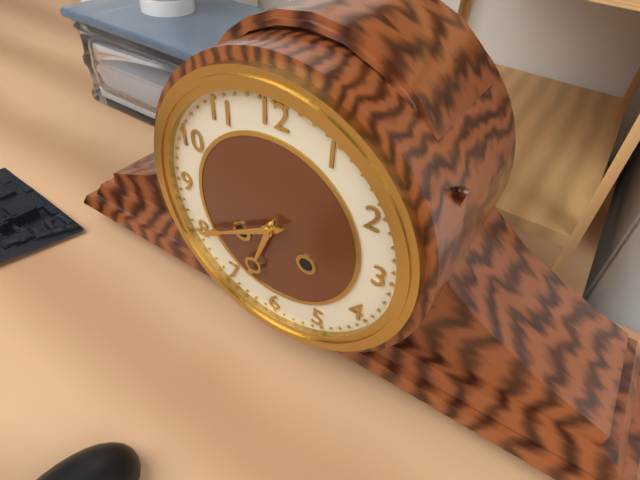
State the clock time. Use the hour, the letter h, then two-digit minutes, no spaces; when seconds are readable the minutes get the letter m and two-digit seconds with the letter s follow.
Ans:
6h40
